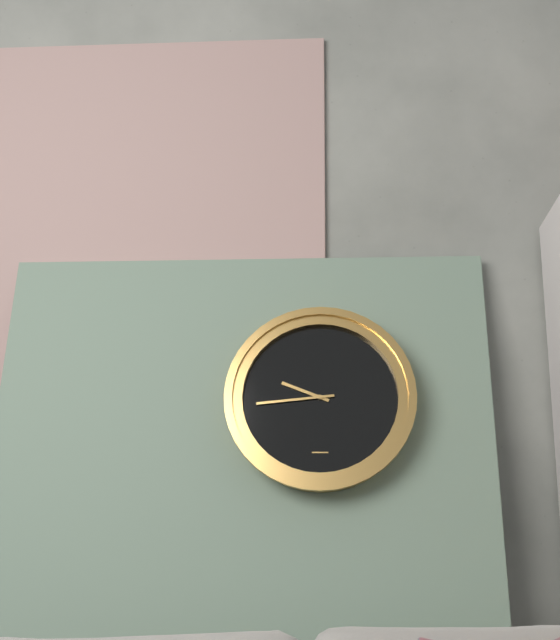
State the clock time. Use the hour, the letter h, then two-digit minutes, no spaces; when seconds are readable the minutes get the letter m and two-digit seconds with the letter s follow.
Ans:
9h44
